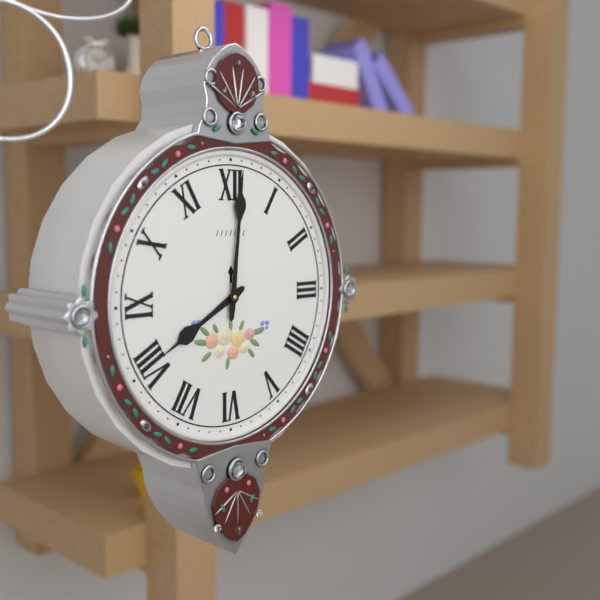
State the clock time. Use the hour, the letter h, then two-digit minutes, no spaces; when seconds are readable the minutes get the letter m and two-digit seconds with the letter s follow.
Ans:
8h01
